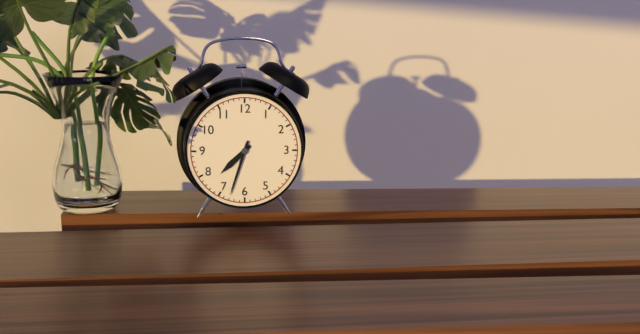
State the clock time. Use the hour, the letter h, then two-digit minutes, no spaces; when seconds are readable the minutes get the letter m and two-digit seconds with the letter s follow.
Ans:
7h33
